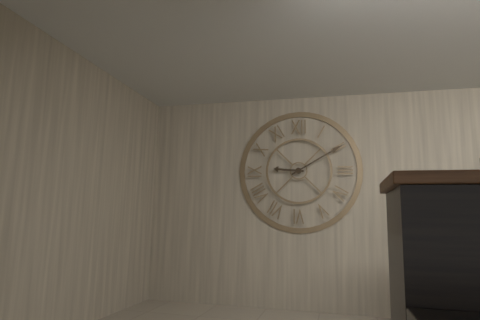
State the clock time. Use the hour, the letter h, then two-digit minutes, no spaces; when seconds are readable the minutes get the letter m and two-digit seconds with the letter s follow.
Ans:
9h10
